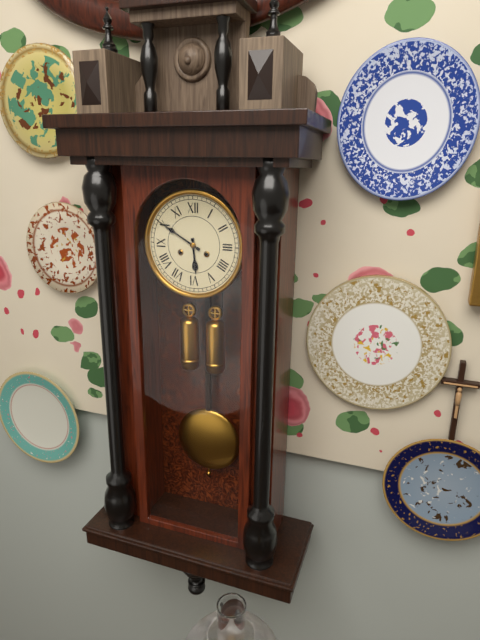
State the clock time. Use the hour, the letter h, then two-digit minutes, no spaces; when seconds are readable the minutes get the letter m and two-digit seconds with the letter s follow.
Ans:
5h50
